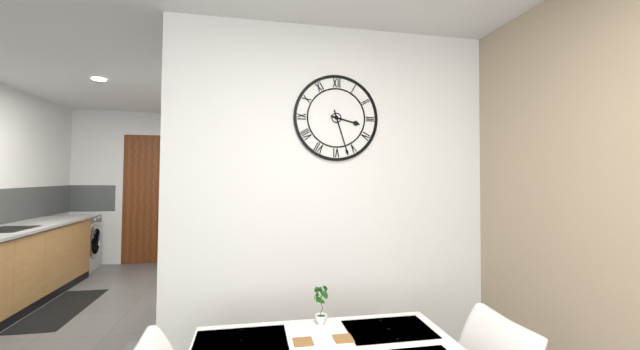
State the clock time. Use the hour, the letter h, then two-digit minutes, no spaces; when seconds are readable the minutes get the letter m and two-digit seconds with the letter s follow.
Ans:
3h27
